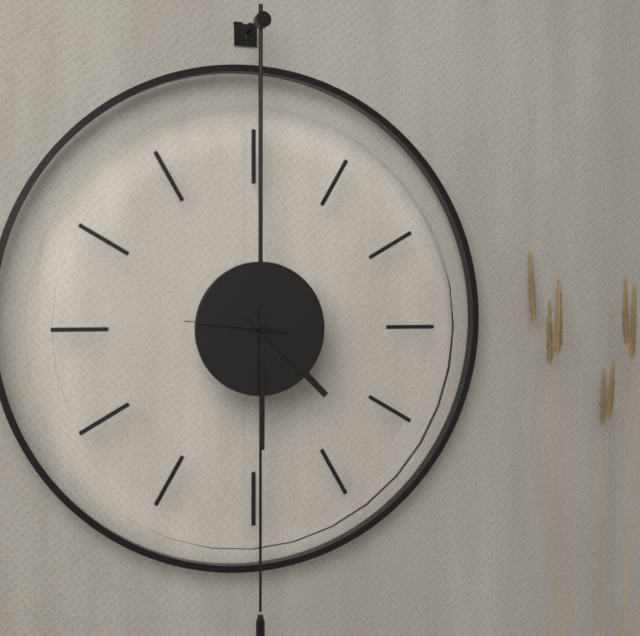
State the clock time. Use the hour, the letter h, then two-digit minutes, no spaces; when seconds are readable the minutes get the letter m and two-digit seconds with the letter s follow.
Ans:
4h30m46s
